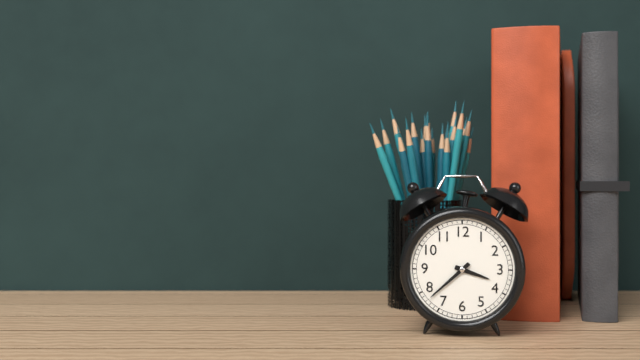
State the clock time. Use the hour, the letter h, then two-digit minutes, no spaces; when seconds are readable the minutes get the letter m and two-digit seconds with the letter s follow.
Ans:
3h38
